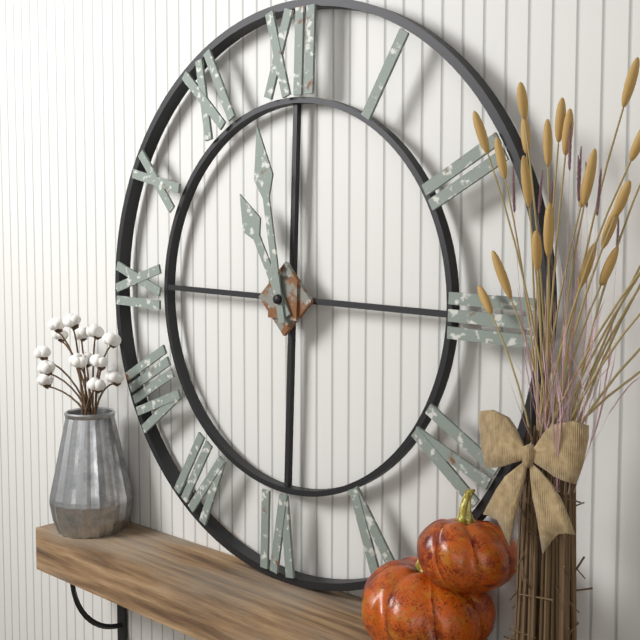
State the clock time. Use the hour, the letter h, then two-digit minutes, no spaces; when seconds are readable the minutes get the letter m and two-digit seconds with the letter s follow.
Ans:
10h58
